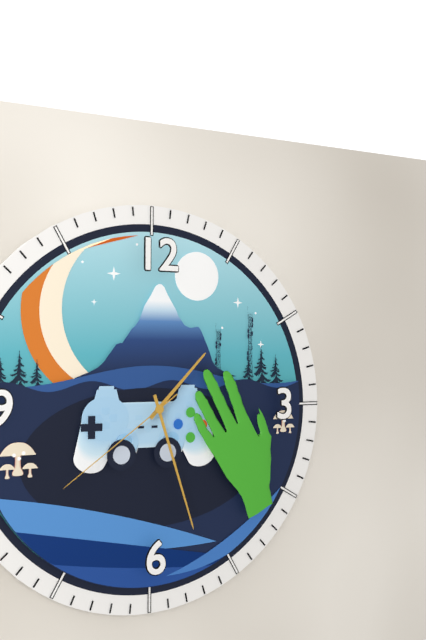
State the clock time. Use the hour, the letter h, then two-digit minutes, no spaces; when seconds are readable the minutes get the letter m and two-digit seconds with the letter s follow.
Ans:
1h27m39s
